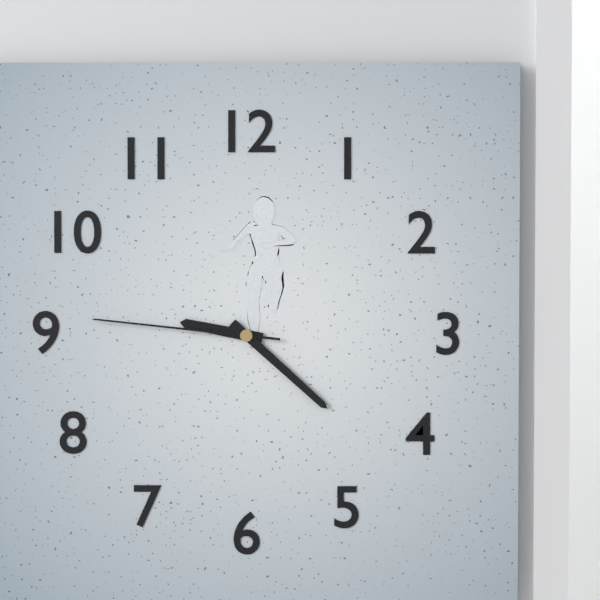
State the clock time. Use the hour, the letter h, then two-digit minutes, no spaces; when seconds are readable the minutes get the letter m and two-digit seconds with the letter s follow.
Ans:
9h22m46s
